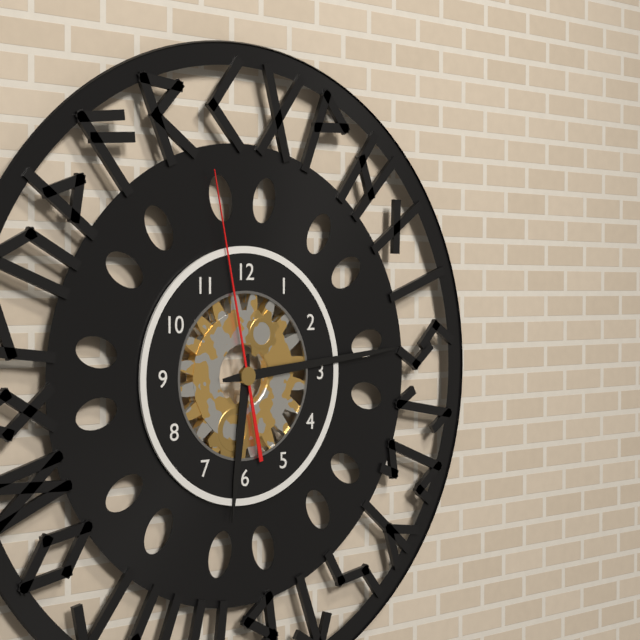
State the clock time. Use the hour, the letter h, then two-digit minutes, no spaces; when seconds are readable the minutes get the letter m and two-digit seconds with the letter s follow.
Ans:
6h14m58s
